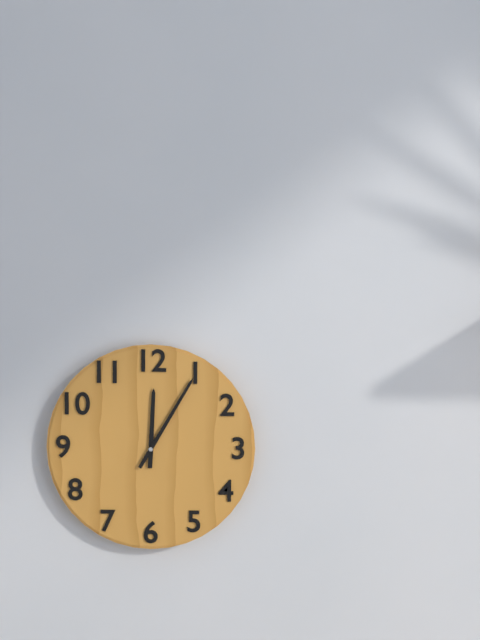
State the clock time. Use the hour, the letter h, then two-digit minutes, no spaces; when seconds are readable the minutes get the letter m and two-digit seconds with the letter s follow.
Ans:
12h05
